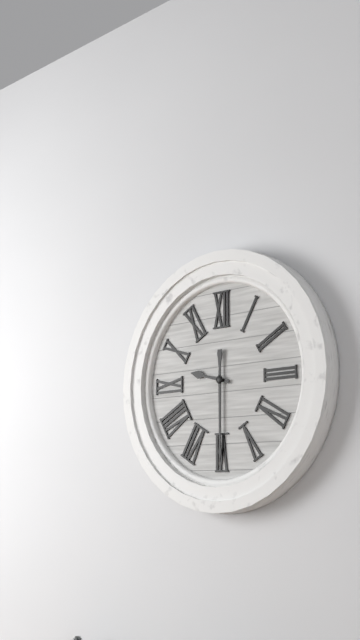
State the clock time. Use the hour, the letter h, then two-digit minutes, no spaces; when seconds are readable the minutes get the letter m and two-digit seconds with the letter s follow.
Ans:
9h30
